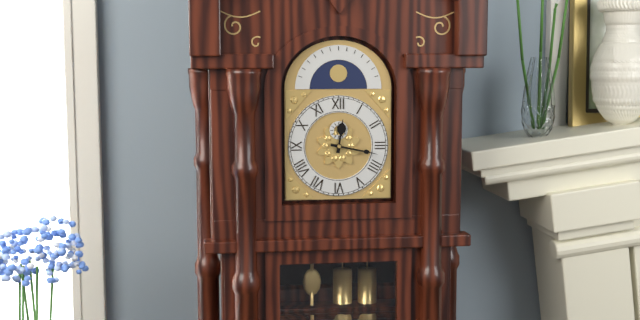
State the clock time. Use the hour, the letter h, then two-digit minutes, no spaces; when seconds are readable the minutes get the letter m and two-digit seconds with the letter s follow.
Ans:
12h17
